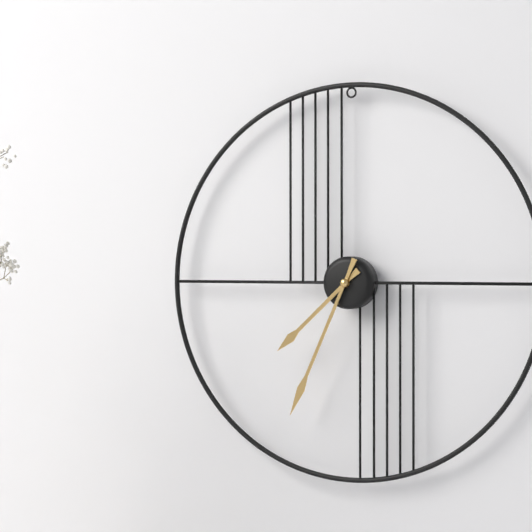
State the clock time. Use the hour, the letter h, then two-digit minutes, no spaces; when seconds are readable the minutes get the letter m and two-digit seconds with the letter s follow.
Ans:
7h34
